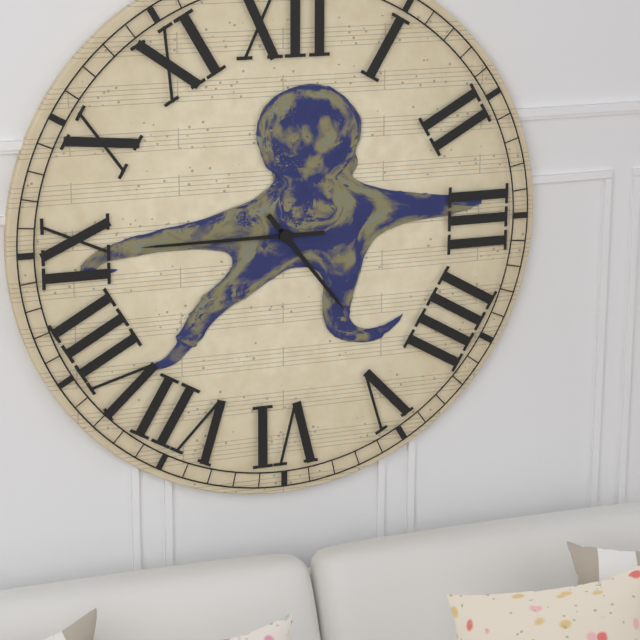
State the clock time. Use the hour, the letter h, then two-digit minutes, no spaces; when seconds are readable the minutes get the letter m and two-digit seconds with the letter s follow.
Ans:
4h45
